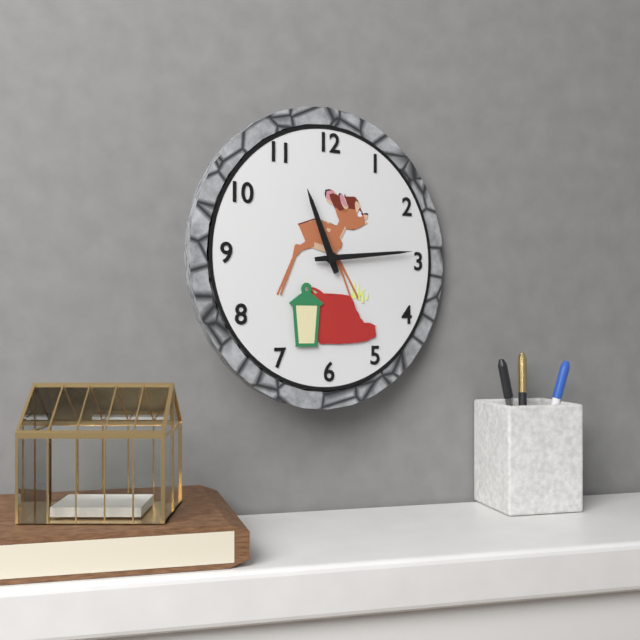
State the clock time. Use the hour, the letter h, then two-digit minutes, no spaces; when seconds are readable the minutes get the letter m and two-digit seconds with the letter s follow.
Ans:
11h14
